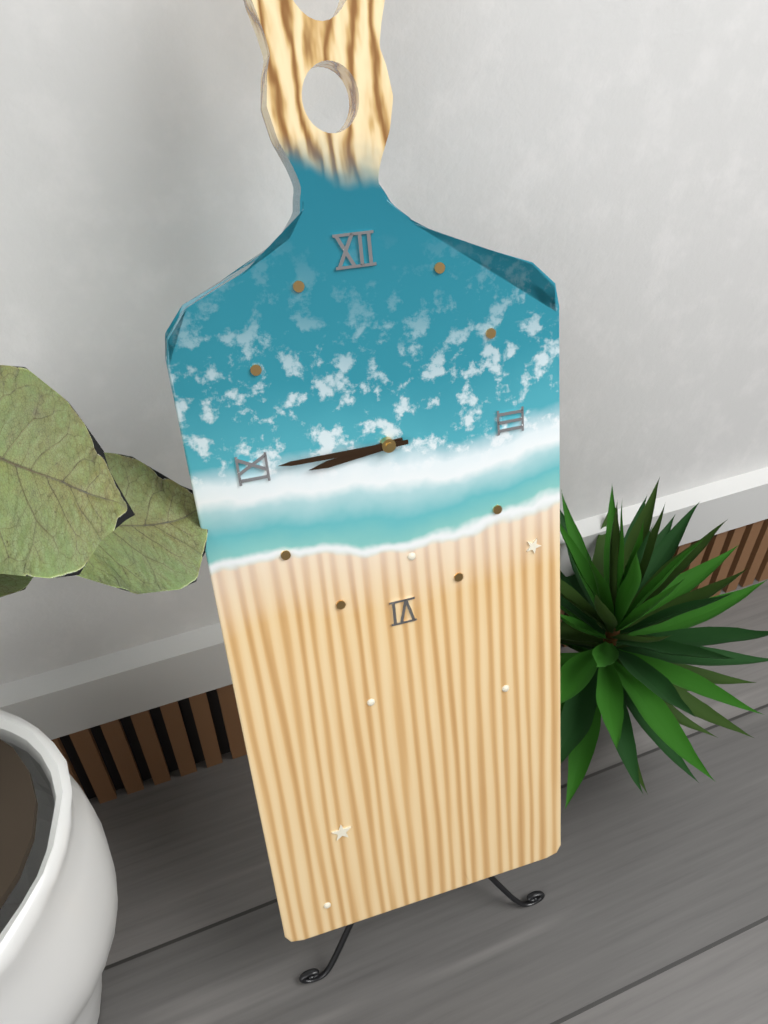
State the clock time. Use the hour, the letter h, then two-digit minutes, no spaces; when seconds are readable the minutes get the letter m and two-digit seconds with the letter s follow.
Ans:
8h45
